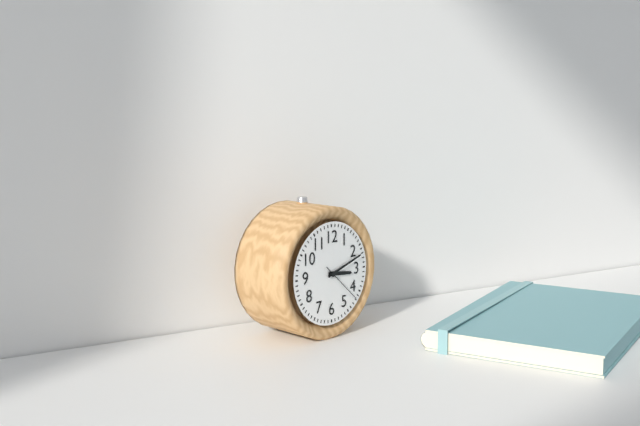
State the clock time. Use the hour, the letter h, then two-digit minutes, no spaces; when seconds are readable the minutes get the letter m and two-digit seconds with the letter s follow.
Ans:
3h12
